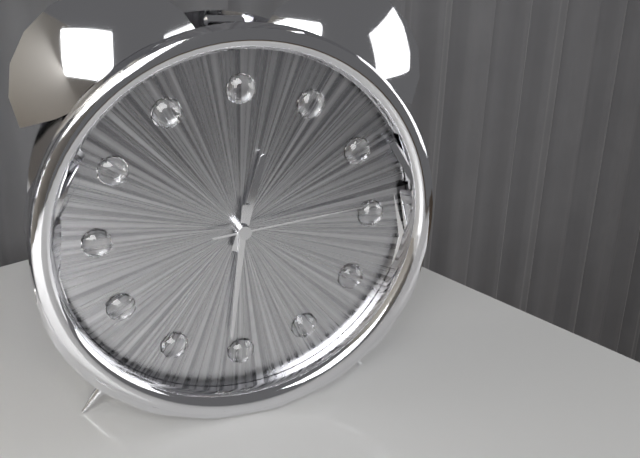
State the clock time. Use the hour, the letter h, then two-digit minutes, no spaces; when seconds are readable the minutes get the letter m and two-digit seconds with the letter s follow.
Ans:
12h31m14s
